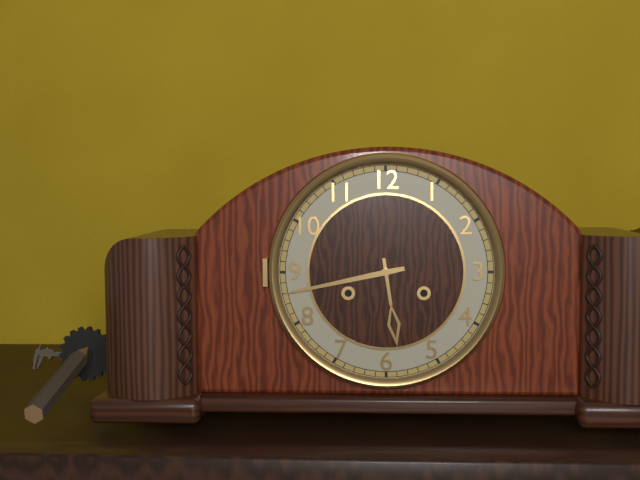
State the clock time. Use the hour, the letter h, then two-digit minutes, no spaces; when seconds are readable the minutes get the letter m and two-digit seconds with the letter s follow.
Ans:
5h43
